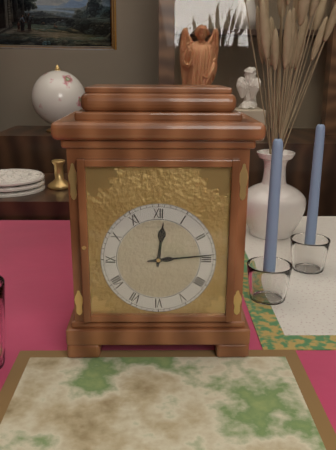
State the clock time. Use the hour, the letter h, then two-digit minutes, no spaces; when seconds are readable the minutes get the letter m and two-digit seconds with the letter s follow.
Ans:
12h14
